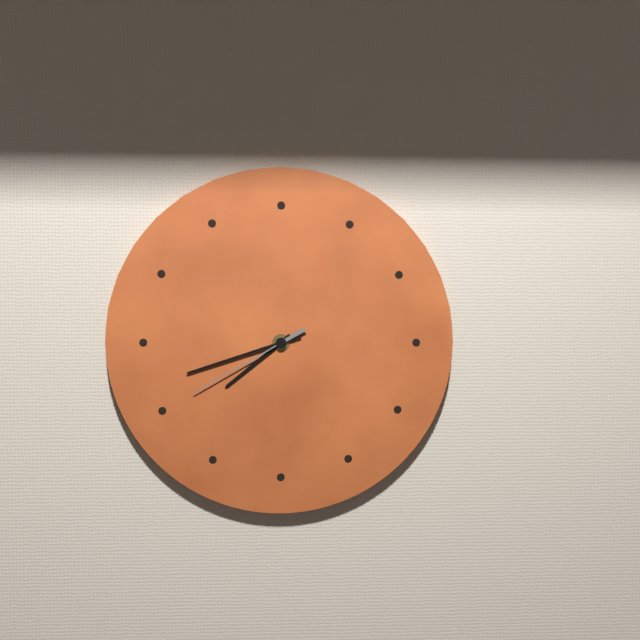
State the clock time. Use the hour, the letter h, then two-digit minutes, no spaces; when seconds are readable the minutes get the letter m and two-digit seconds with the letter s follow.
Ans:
7h42m40s
